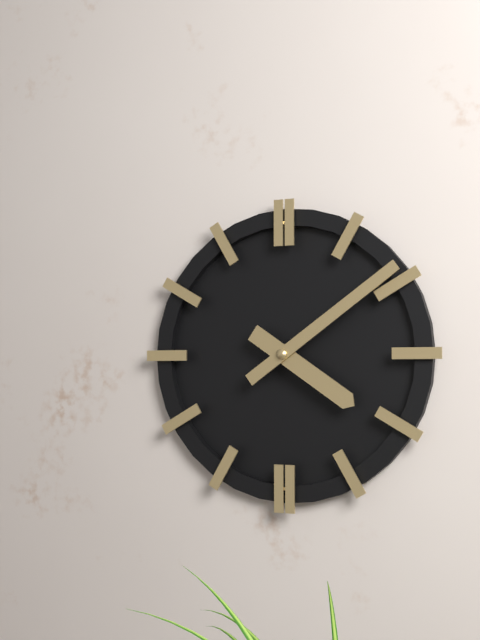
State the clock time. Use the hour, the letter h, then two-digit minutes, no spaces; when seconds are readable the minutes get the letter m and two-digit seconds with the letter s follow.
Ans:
4h09
